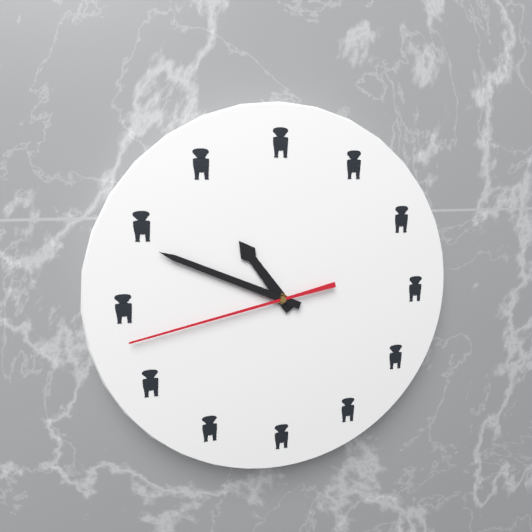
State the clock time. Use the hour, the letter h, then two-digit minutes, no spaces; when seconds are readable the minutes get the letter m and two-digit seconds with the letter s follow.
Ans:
10h49m43s
